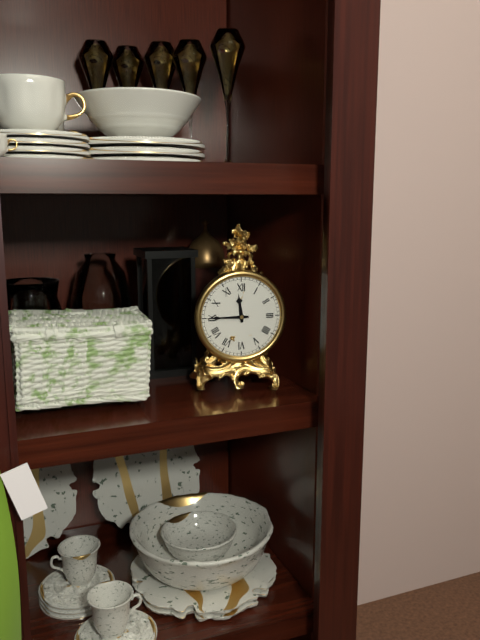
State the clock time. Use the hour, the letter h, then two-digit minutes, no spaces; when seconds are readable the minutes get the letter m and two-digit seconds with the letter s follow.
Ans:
11h45
